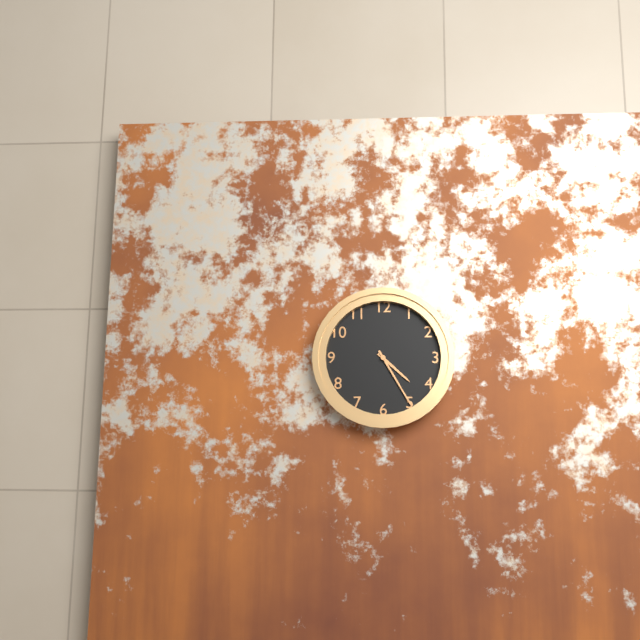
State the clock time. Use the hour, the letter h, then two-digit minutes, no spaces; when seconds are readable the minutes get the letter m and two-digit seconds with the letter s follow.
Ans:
4h25
